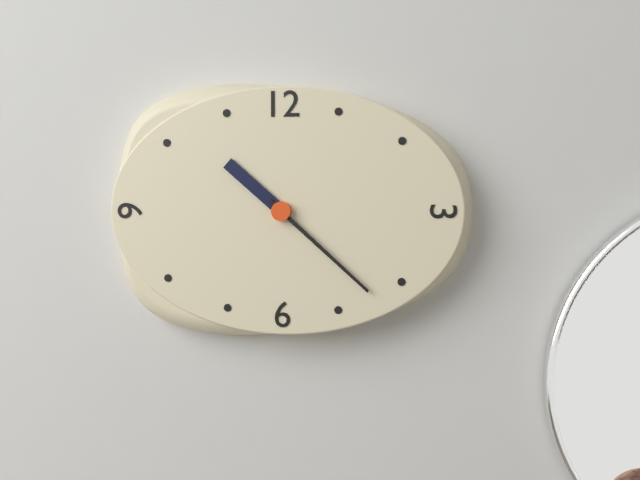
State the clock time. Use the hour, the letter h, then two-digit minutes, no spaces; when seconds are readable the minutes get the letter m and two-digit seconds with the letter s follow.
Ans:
10h22
